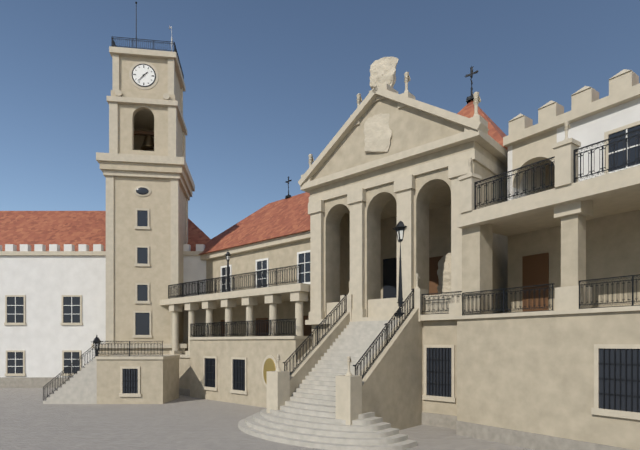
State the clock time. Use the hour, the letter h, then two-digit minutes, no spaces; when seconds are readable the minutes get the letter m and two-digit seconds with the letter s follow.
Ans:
1h37
